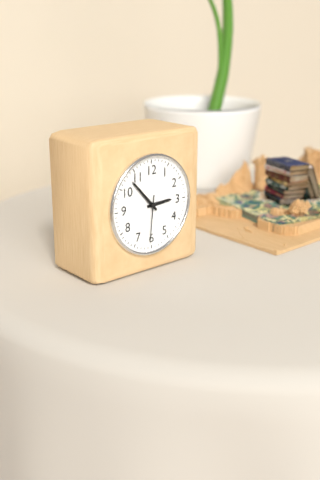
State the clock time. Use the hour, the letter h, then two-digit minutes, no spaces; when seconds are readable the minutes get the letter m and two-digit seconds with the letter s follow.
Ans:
2h53
